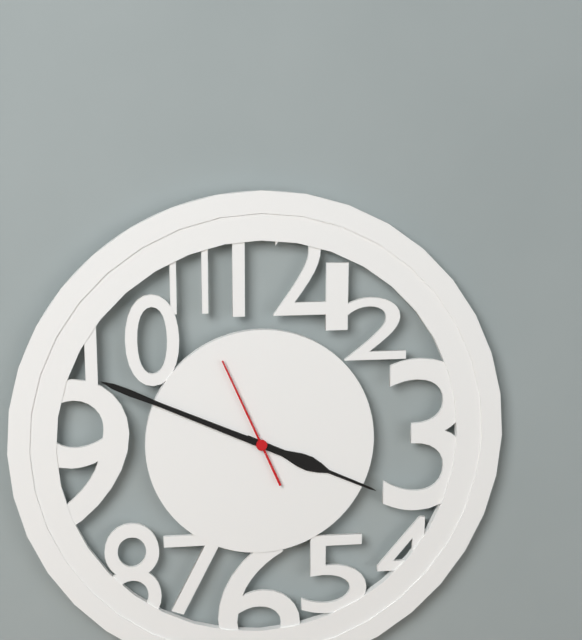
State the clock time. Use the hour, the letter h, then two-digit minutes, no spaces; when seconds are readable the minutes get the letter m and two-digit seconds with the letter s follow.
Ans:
3h49m56s
